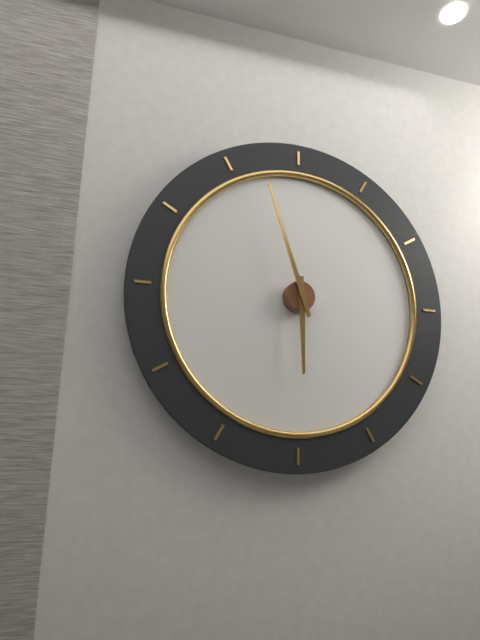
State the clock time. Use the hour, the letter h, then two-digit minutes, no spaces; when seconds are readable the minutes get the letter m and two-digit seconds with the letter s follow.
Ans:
5h57
